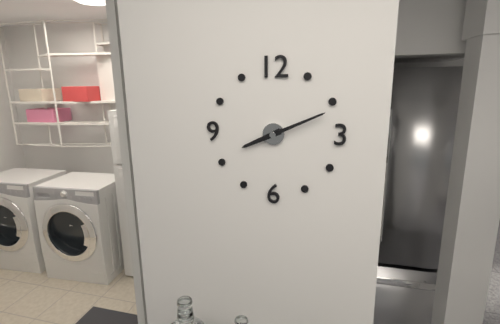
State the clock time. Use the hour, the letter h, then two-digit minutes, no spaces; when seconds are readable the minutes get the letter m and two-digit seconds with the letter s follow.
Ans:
8h11
